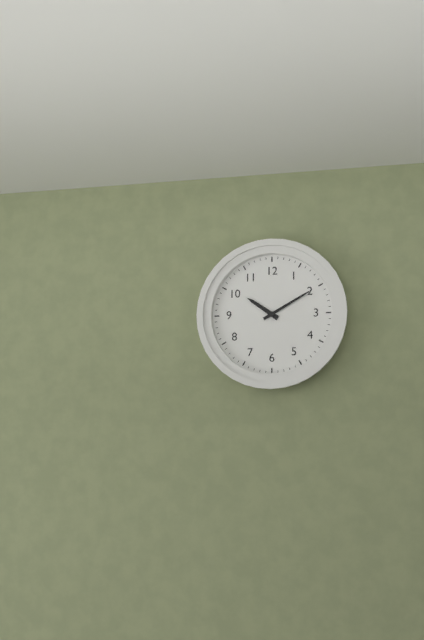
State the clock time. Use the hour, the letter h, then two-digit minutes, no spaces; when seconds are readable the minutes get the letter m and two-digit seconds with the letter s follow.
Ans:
10h10
